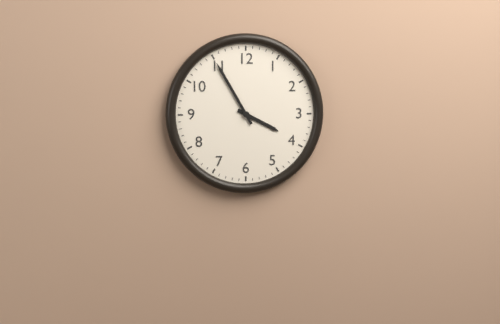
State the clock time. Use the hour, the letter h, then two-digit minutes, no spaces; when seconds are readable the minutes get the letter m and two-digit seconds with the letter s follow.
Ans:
3h55
